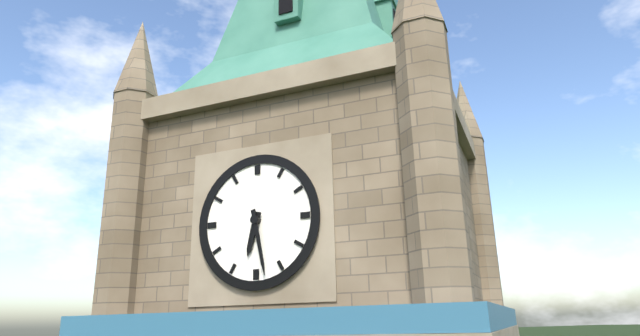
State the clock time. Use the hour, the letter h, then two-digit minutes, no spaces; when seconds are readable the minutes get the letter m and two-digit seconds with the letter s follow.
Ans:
6h28
